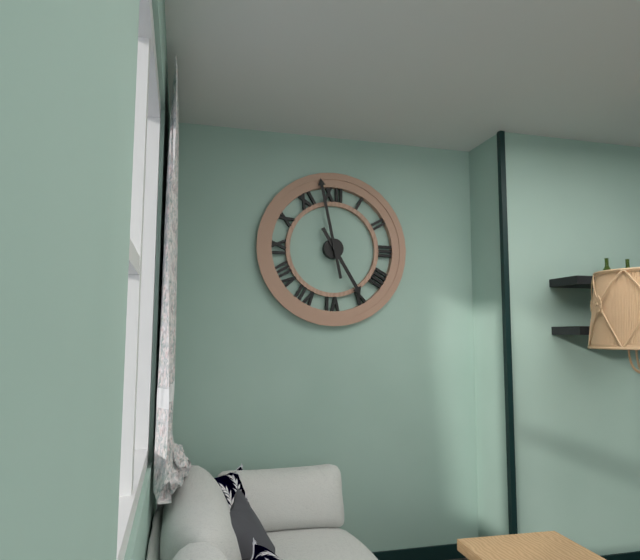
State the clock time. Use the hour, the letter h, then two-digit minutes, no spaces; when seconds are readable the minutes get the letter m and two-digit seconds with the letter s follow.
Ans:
4h58
